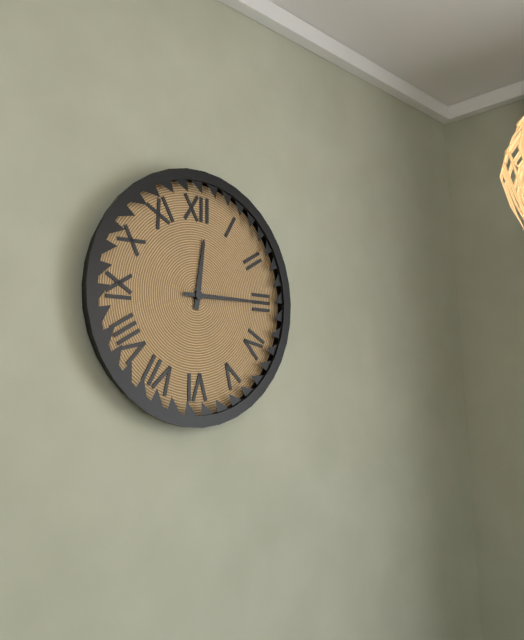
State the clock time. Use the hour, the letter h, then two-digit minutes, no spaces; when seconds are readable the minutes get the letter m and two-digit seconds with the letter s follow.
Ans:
12h15
